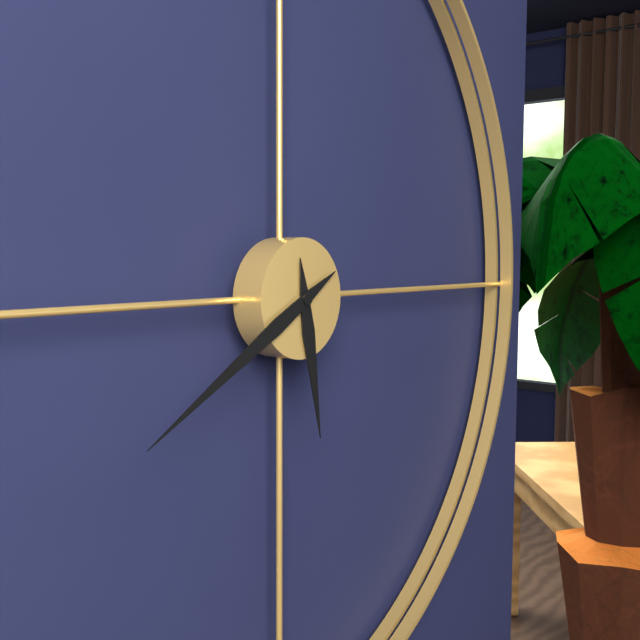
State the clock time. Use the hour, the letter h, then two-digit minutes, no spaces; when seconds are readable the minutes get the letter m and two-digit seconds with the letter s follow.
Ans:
5h40
